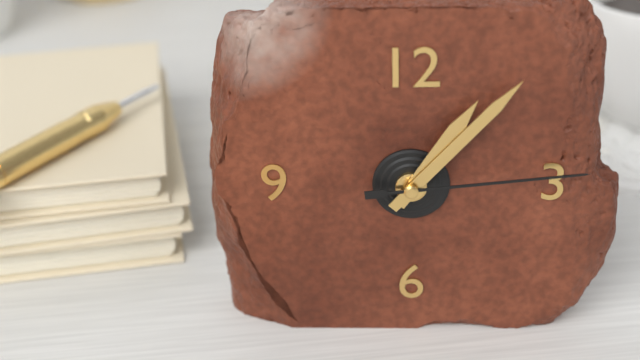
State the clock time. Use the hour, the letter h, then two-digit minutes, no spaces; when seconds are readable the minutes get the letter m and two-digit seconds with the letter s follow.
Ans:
1h07m14s
